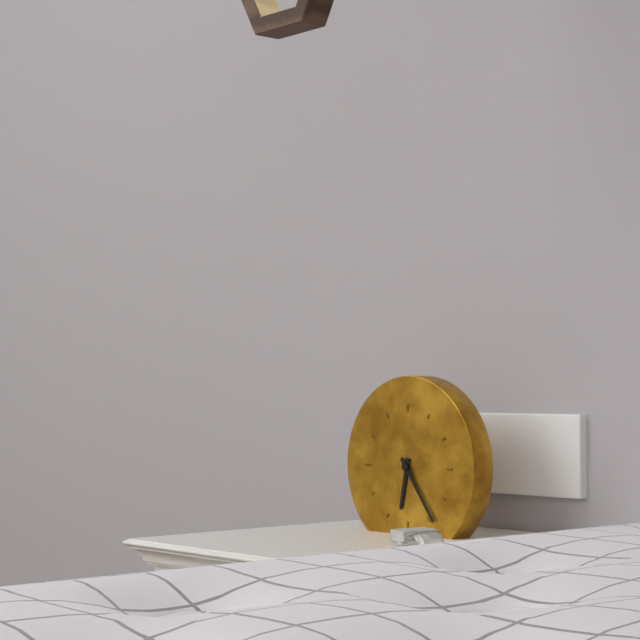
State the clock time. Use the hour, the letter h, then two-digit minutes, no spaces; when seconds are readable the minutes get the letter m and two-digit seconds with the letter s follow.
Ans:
6h24
